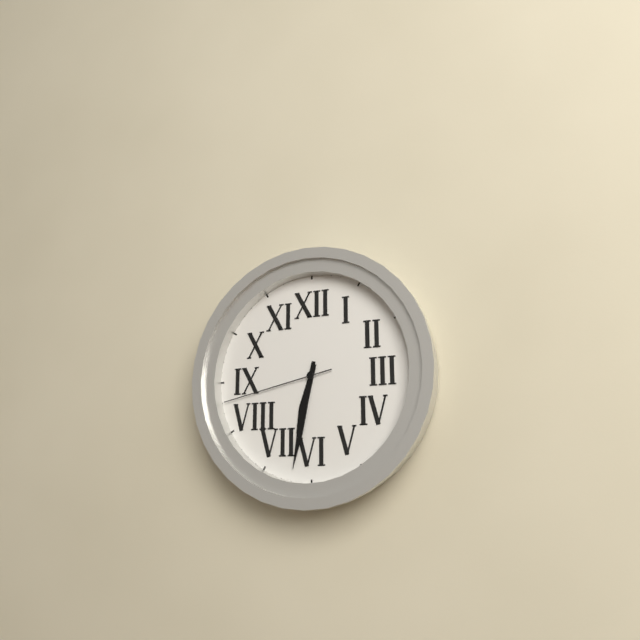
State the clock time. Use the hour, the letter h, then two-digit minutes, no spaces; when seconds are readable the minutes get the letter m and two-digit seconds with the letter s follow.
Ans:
6h32m43s
